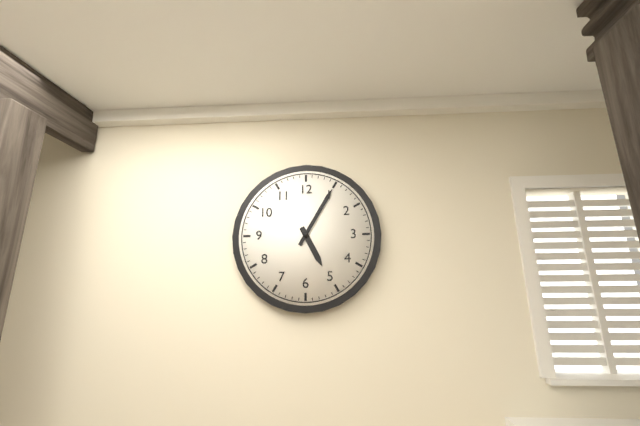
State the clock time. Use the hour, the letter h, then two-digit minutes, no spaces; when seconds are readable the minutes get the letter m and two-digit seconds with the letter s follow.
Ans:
5h05
